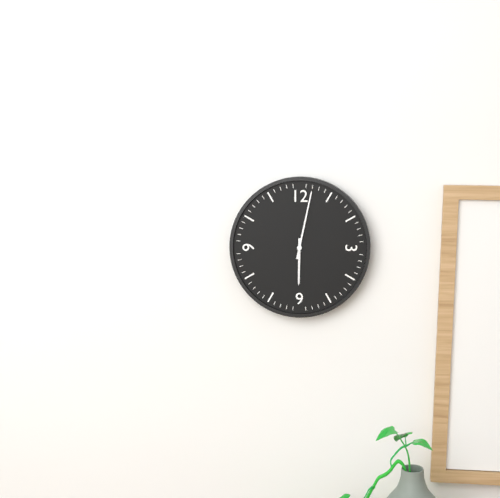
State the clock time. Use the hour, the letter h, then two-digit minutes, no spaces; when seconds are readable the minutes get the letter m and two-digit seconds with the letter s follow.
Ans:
6h02
